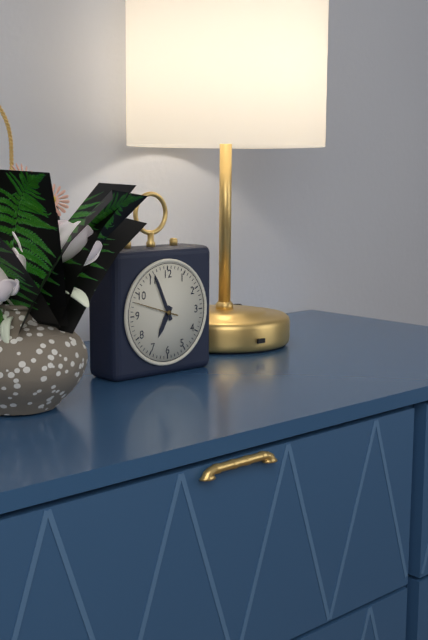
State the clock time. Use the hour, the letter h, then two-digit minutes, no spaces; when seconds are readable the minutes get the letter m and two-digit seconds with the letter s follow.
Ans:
6h56
